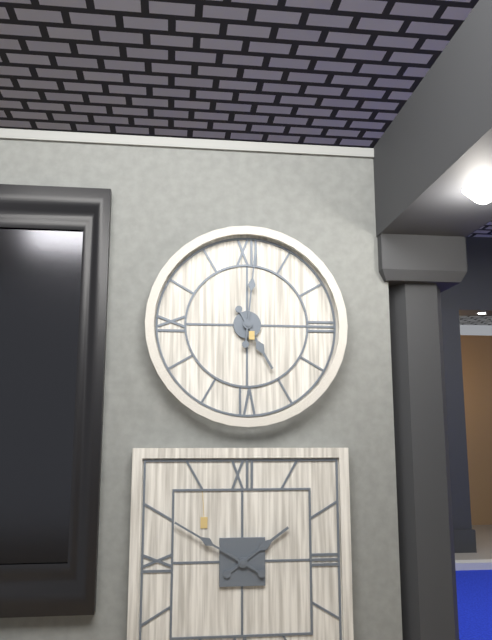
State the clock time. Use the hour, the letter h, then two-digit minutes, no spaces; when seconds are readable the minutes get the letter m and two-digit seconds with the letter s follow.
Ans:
5h01
